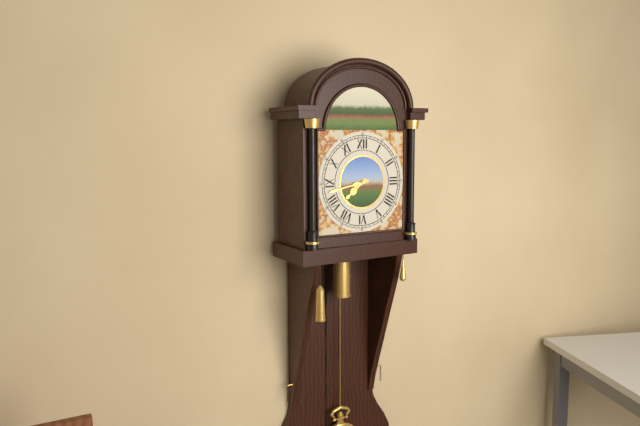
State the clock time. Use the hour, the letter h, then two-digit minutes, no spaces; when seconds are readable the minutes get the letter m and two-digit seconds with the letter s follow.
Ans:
7h43
